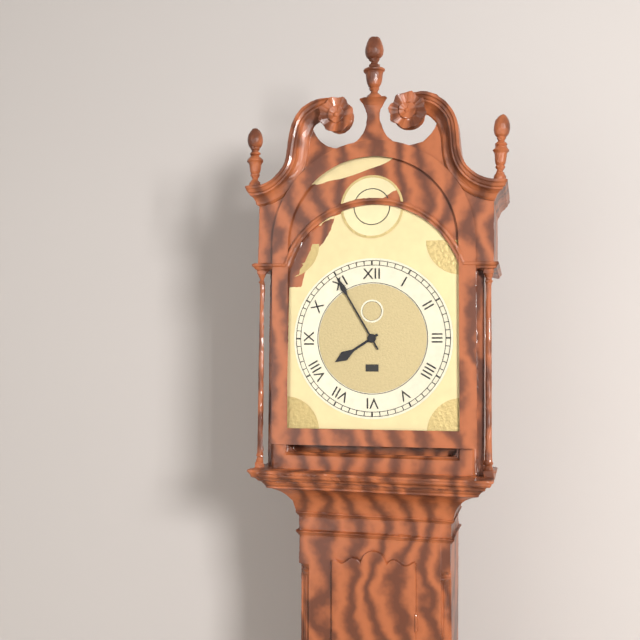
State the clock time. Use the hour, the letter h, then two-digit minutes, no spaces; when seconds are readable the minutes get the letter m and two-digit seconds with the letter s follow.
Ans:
7h55
